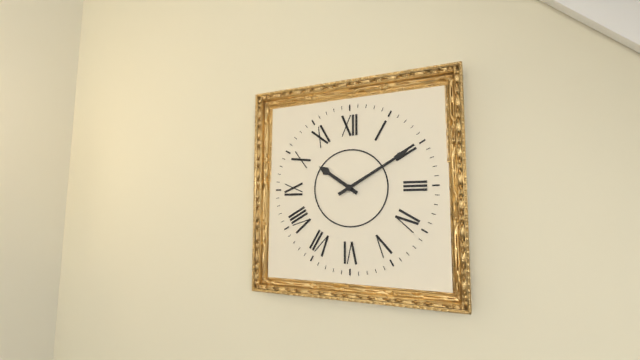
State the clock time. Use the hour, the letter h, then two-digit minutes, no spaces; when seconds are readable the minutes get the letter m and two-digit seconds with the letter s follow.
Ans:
10h10
